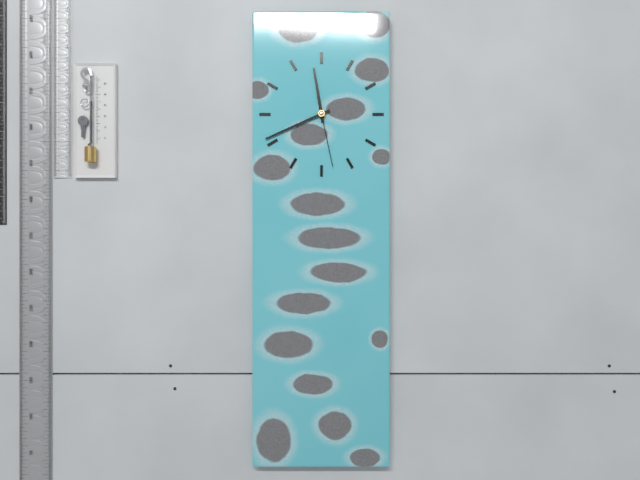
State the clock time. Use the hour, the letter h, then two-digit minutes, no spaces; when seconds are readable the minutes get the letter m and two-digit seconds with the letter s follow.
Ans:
11h41m28s
